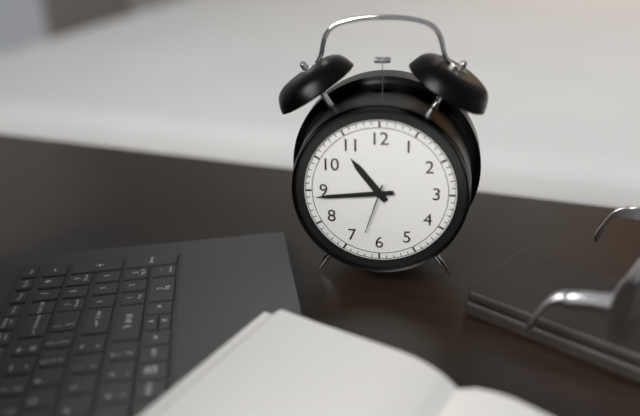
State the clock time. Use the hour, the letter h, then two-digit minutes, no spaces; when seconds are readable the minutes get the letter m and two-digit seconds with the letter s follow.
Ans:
10h44m33s
